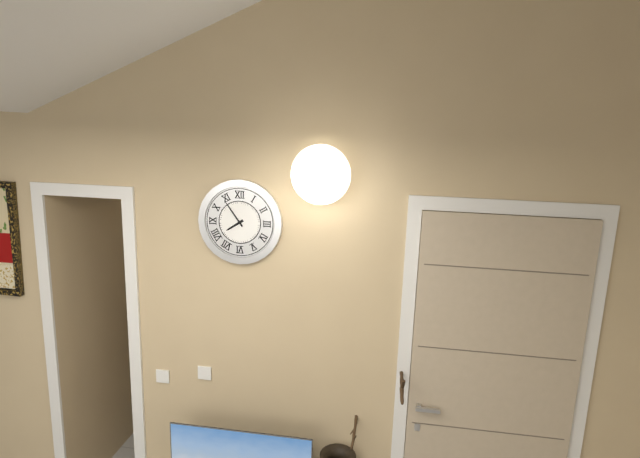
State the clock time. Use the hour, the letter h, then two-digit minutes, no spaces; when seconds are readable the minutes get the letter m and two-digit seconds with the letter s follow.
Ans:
7h54
